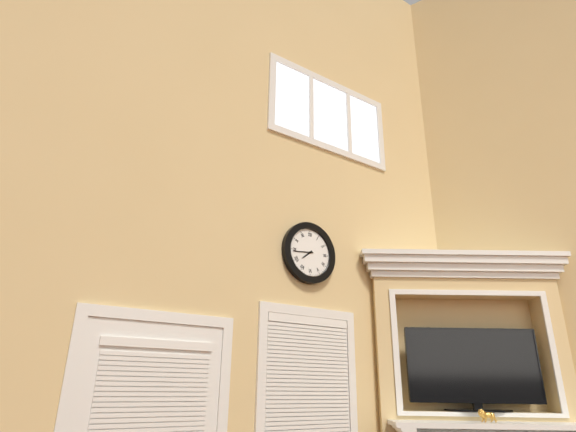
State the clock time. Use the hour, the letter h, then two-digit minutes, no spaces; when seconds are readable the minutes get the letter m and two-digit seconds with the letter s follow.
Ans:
7h44
